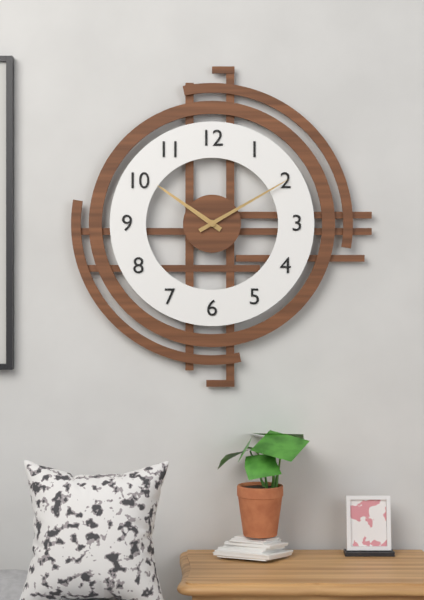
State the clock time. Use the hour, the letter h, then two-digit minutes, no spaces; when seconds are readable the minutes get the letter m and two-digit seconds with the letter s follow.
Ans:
10h10
